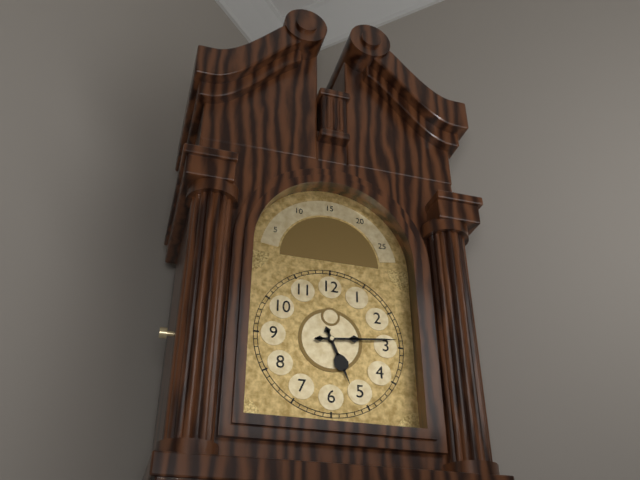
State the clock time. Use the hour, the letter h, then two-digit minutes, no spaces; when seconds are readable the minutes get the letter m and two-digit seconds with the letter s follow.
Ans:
5h14
